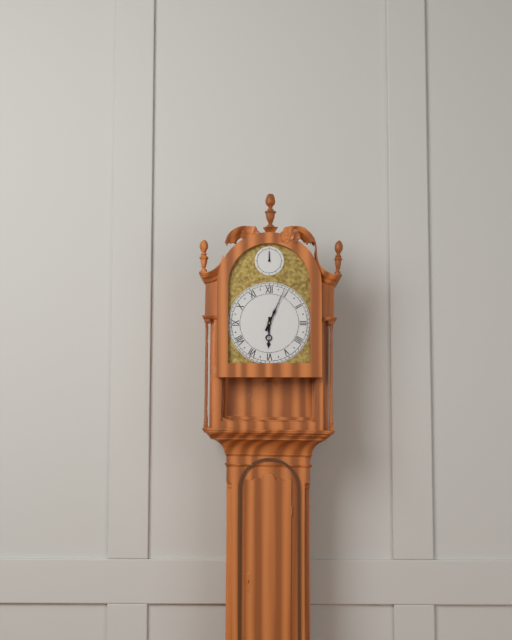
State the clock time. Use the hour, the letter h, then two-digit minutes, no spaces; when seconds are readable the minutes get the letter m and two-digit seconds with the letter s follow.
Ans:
6h04
